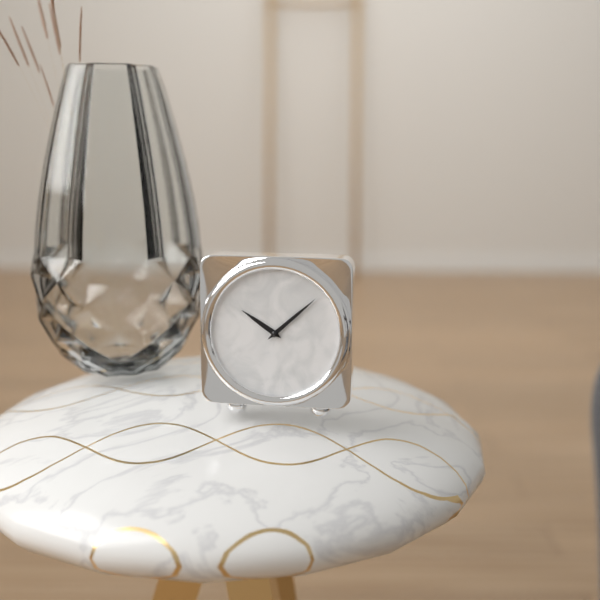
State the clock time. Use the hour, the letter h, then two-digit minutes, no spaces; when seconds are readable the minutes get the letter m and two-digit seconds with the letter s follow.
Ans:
10h08
